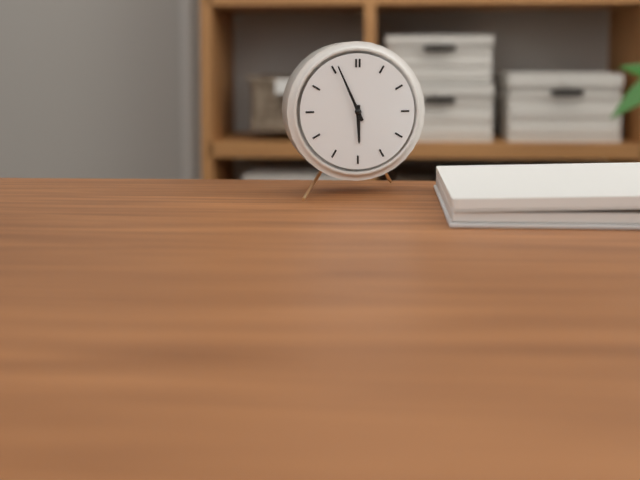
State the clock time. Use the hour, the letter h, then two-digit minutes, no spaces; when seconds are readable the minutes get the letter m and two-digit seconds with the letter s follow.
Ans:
5h56
